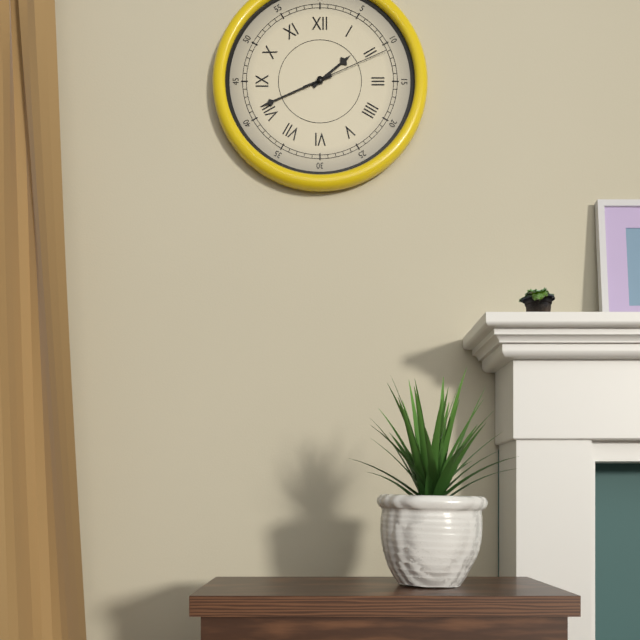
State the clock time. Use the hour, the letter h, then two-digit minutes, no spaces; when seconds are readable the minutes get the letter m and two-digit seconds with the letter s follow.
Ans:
1h41m11s
